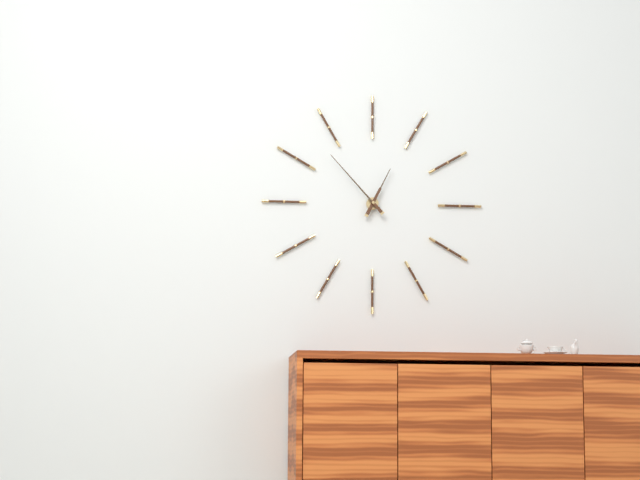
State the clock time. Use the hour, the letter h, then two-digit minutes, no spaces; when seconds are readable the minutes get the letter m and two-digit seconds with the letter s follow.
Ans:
12h53
